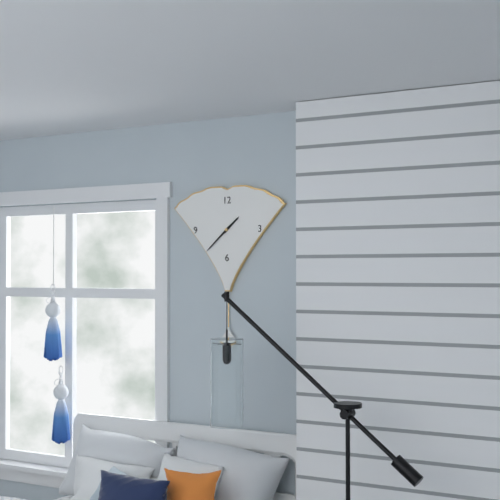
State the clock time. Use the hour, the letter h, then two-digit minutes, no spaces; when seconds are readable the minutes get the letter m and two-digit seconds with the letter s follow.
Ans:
1h38
